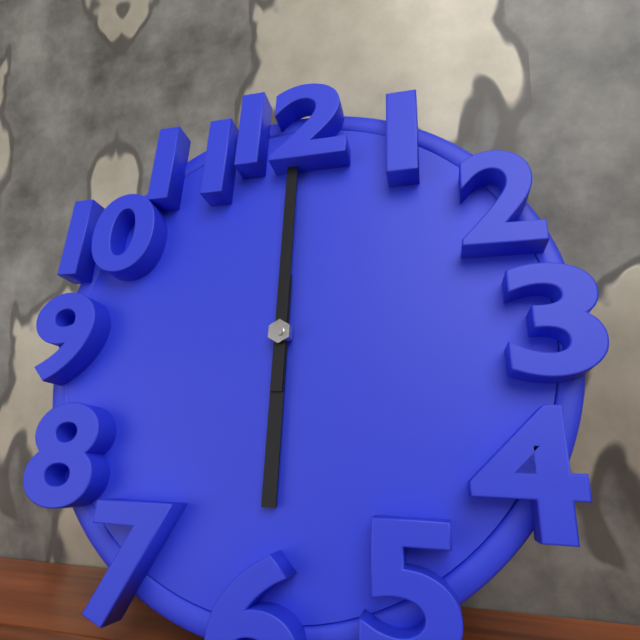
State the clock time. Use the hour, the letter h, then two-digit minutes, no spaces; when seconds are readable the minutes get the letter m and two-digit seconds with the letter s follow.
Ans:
6h00
